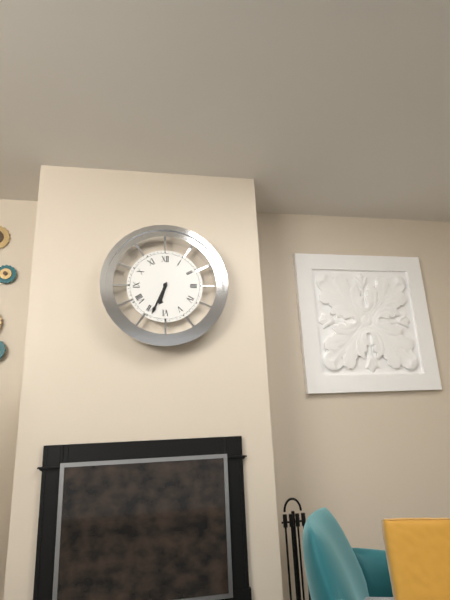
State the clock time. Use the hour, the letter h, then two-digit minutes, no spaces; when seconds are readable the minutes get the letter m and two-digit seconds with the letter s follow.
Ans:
6h34
